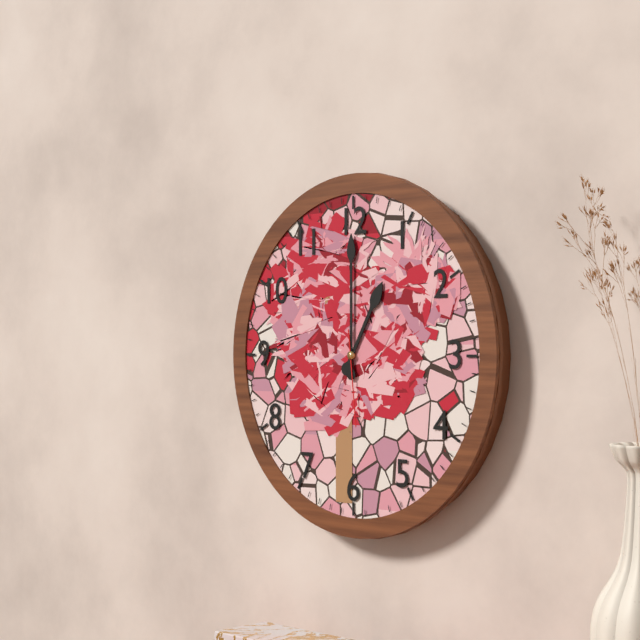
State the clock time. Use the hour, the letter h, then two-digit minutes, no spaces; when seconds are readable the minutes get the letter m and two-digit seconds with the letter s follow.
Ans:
1h00m29s
